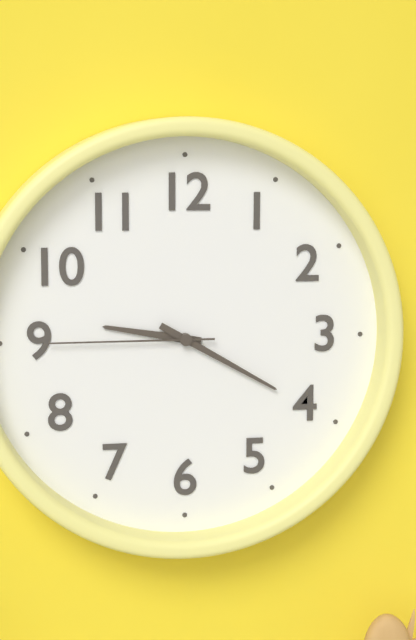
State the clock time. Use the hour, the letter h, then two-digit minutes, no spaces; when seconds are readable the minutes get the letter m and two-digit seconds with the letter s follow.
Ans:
9h20m45s
